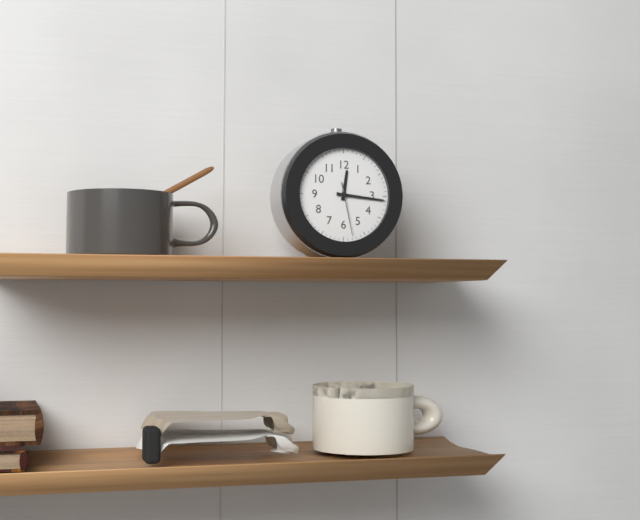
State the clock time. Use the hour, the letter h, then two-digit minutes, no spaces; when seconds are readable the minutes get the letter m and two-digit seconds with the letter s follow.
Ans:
12h16m28s
